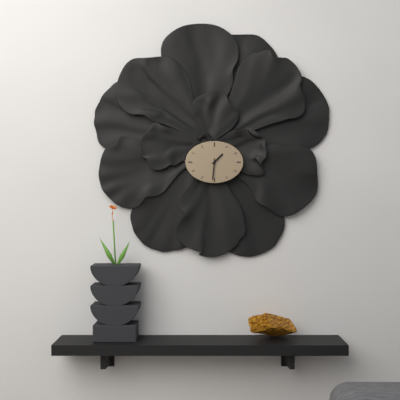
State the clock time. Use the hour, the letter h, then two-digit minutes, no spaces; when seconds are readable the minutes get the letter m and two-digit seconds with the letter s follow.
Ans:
1h31
